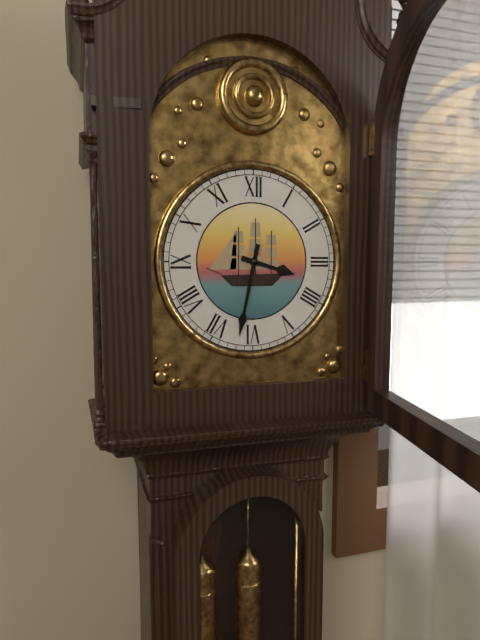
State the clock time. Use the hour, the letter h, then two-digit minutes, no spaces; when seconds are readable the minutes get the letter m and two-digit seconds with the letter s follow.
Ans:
3h32
